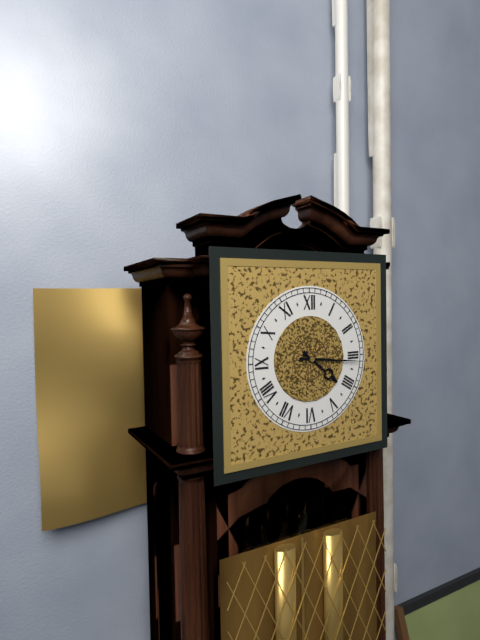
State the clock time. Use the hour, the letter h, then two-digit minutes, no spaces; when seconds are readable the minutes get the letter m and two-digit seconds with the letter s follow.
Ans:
4h16
